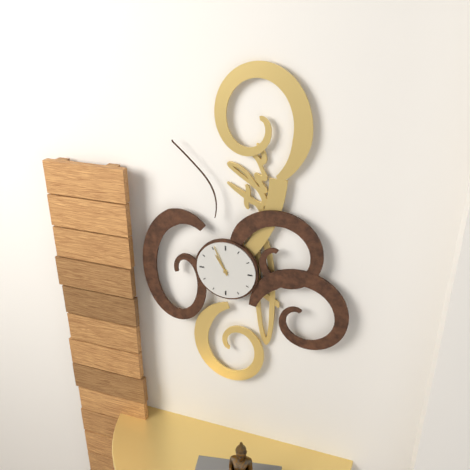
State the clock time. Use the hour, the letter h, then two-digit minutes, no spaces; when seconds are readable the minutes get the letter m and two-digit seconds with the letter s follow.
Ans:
10h56
